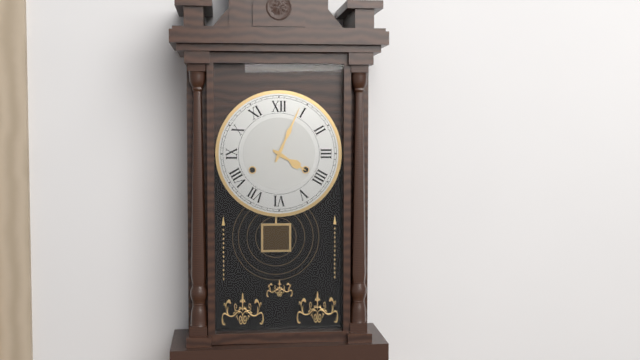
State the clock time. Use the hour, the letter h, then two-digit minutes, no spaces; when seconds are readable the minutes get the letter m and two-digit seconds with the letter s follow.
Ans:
4h04
